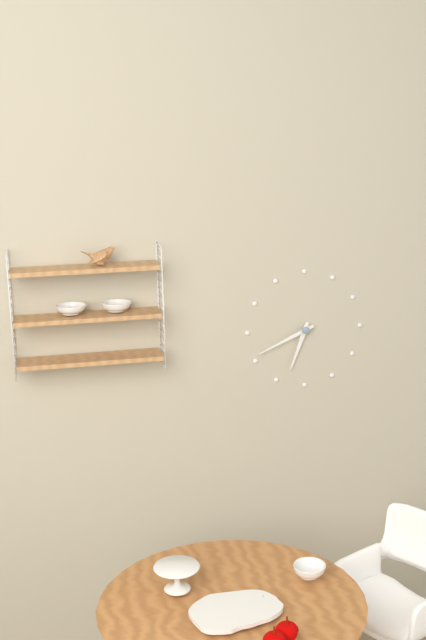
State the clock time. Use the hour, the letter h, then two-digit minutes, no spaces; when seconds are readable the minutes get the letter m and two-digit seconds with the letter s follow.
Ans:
6h41
